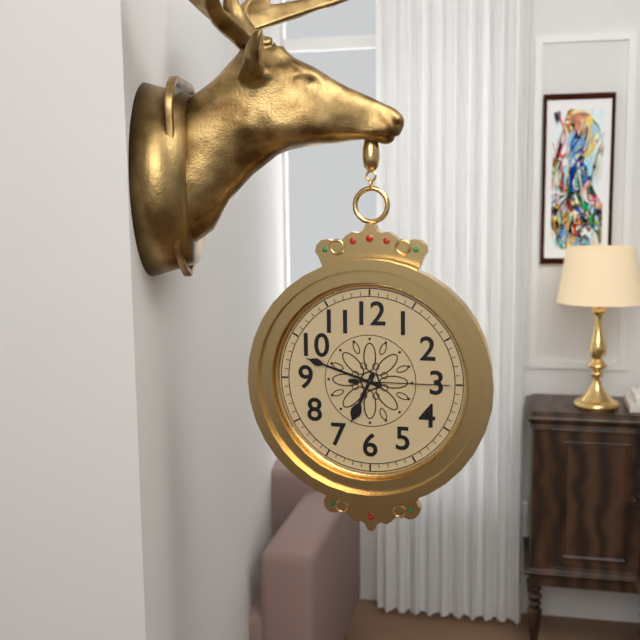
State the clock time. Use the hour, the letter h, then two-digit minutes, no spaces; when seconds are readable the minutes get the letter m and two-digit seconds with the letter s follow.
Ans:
6h48m15s
